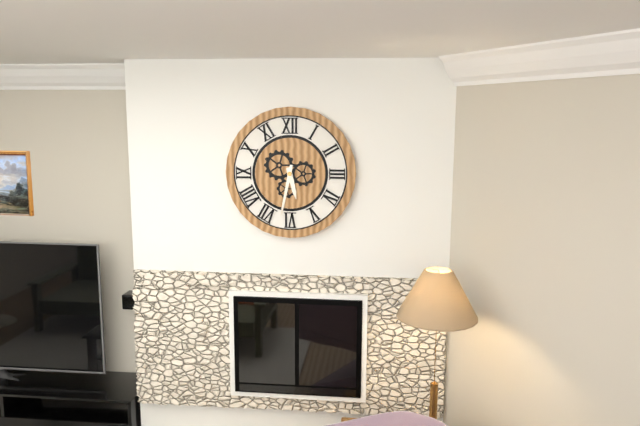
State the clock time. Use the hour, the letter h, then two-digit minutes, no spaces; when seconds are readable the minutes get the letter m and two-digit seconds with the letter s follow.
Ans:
5h32
